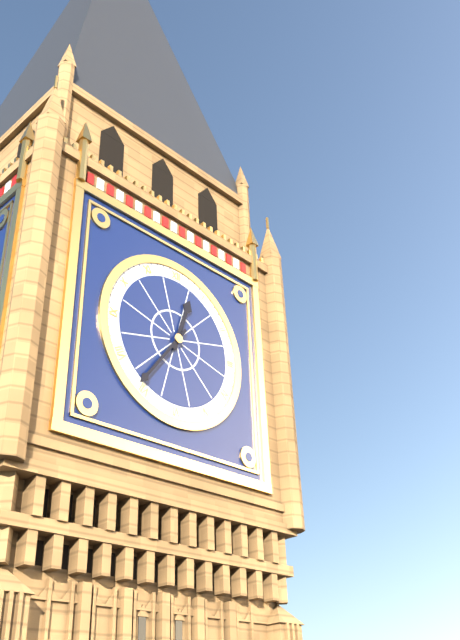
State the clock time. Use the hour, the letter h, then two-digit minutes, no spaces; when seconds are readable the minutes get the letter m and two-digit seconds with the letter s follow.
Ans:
12h36
